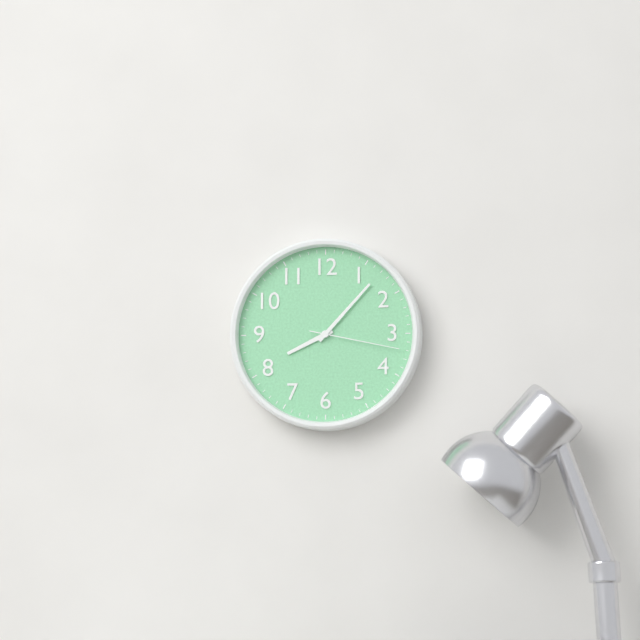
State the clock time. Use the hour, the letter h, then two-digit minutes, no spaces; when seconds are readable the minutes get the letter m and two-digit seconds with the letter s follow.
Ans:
8h07m17s
